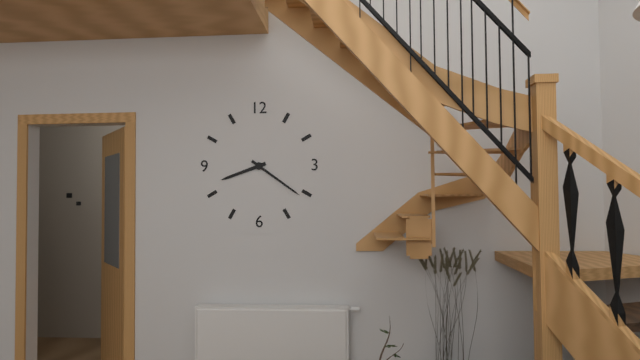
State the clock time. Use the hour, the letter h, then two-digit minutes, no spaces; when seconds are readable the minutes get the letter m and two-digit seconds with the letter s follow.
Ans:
8h21
